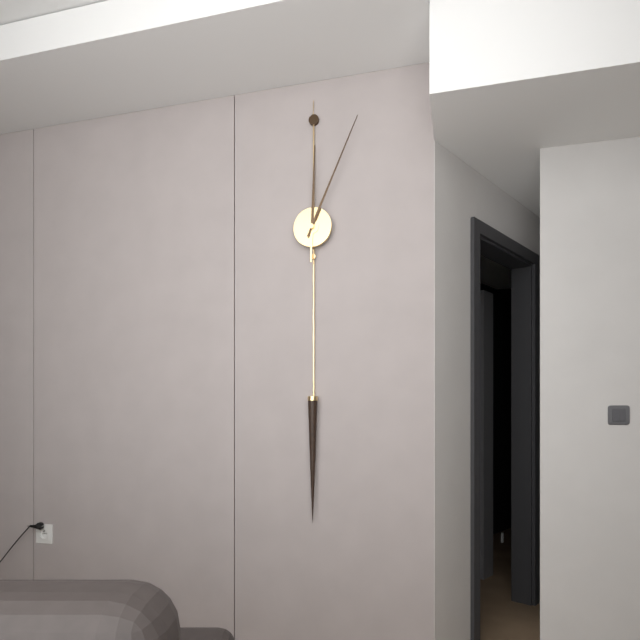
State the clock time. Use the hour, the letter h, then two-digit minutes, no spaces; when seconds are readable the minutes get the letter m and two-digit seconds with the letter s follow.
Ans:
12h04
